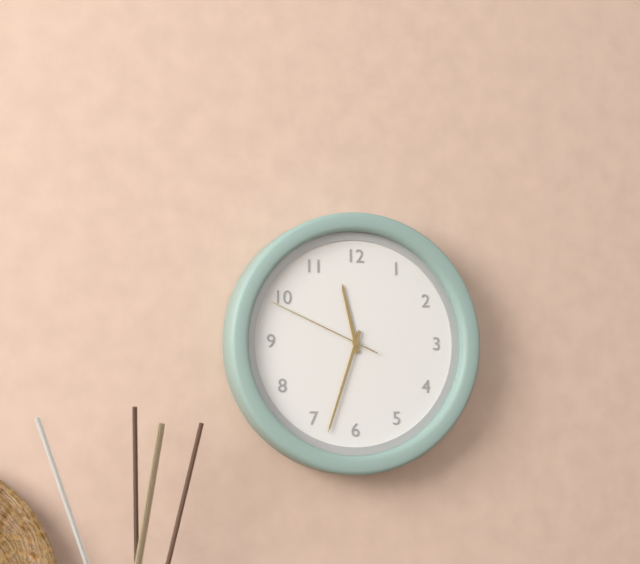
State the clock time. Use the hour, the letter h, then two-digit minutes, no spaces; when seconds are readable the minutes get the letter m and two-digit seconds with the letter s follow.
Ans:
11h33m49s
